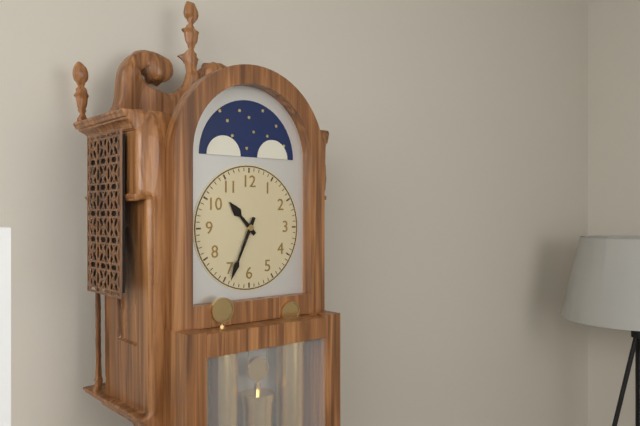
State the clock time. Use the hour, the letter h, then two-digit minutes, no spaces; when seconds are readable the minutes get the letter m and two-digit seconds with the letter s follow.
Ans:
10h34
